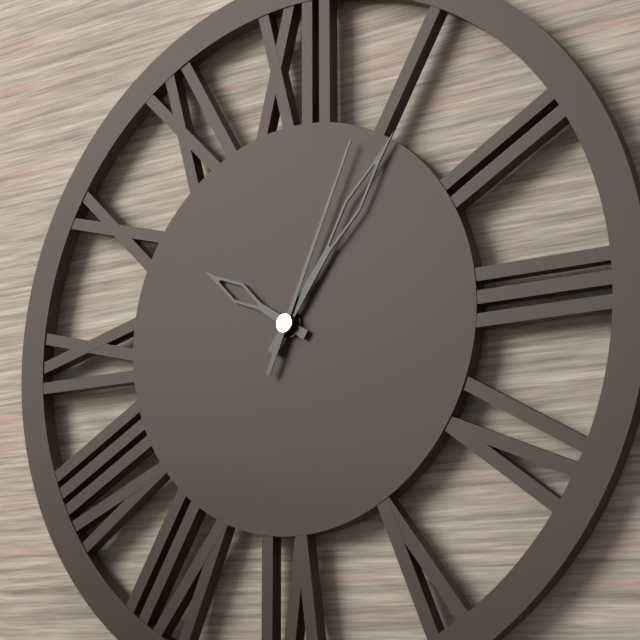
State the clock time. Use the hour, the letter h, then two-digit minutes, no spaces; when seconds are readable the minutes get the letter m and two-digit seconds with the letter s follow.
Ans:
10h06m04s
